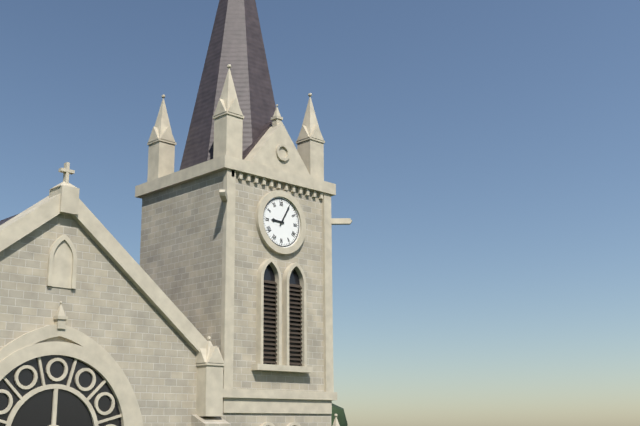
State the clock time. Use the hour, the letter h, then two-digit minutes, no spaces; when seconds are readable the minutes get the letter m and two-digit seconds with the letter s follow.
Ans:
9h05
